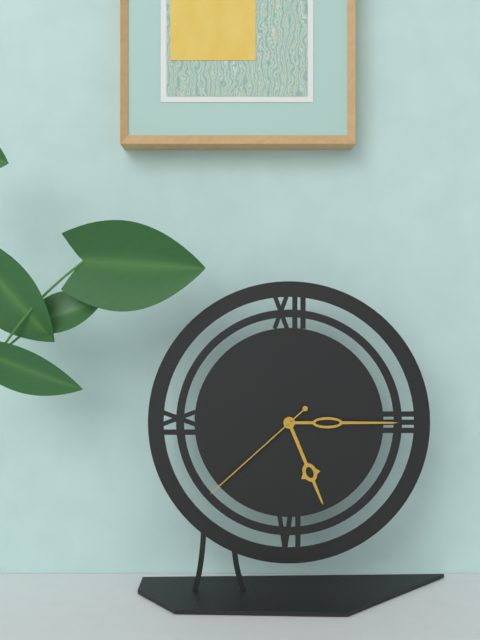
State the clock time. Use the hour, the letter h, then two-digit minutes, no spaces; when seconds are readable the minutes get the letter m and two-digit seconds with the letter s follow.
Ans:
5h15m38s
